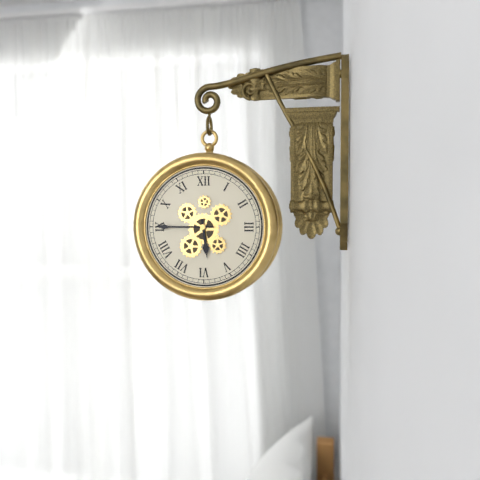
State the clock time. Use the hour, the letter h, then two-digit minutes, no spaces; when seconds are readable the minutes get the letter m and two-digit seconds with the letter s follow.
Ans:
5h45
